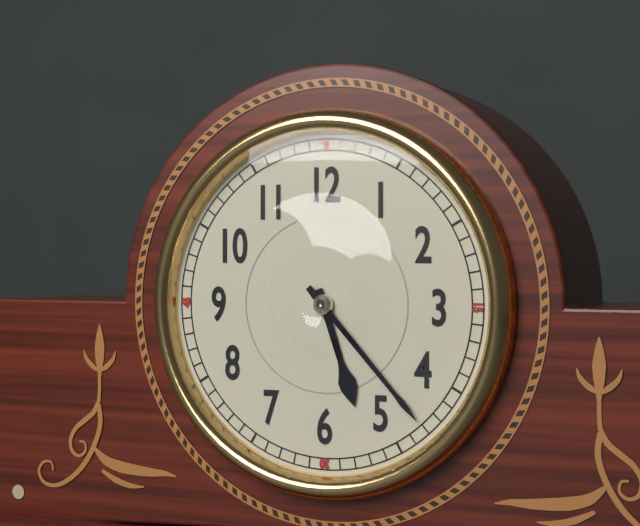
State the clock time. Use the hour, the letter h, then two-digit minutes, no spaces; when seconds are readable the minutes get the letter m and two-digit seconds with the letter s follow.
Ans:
5h23
